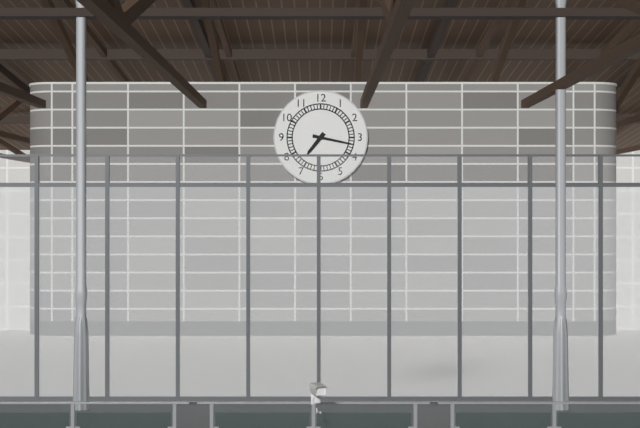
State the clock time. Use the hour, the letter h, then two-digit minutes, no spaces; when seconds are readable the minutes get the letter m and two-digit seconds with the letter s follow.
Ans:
7h17
